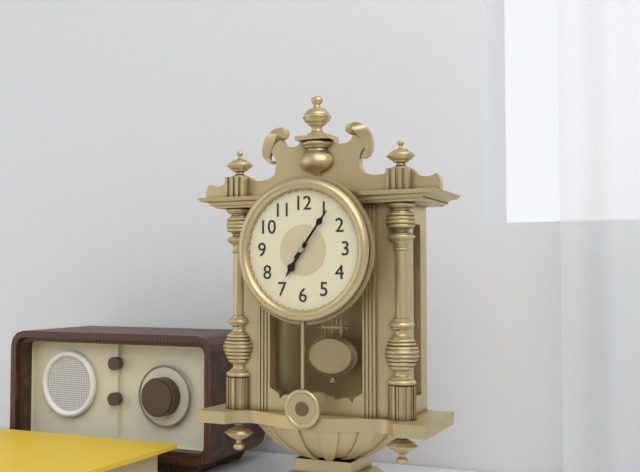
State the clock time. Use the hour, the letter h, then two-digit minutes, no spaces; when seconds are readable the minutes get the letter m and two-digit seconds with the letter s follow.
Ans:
7h06
